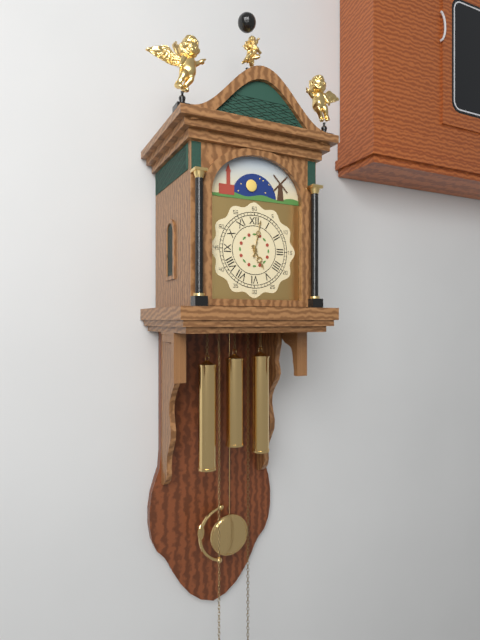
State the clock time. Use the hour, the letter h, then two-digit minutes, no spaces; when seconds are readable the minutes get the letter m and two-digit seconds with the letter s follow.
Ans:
5h02
